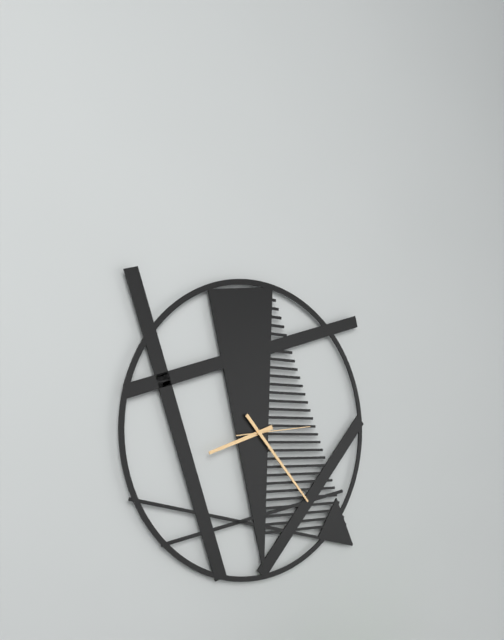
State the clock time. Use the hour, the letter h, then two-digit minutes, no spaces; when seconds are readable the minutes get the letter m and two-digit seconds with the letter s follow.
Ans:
8h23m14s
